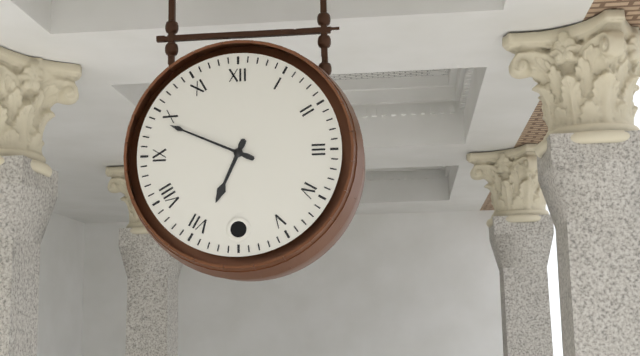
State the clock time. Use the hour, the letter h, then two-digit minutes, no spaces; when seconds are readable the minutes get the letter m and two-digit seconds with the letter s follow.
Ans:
6h49
